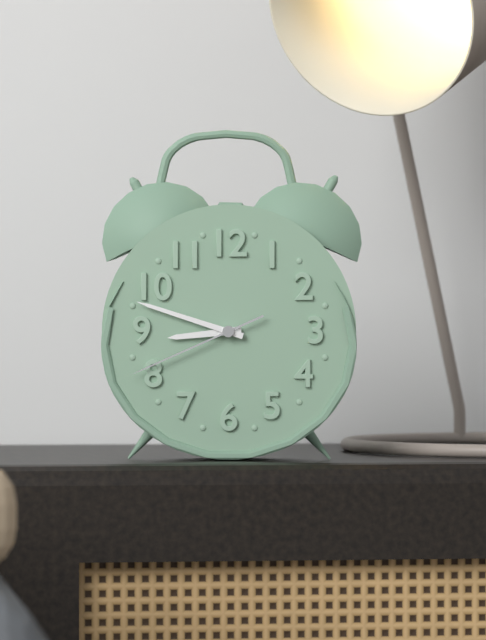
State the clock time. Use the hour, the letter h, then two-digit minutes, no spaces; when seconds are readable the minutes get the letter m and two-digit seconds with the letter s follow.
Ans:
8h48m41s
